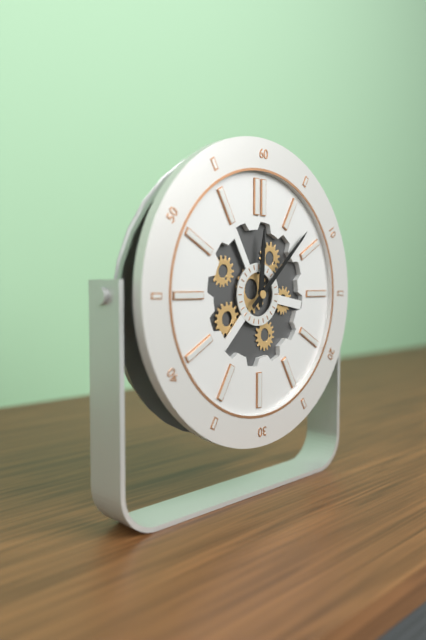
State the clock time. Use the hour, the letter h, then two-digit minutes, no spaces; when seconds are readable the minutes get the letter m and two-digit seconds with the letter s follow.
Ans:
12h08
